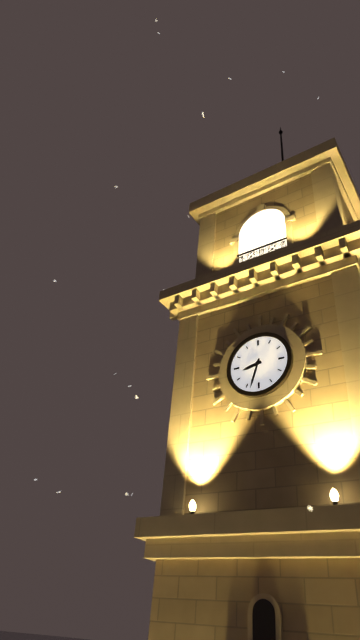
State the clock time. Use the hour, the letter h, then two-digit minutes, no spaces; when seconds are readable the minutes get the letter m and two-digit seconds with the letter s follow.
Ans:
8h33
